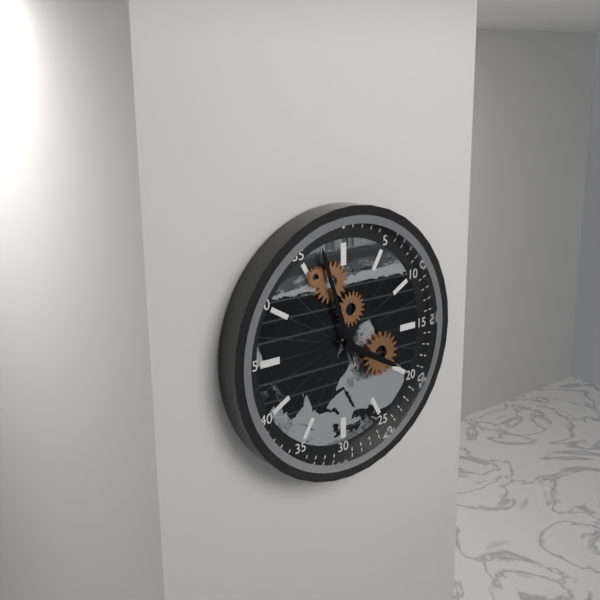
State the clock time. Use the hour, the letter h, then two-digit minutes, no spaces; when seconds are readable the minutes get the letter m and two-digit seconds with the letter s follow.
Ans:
3h57
